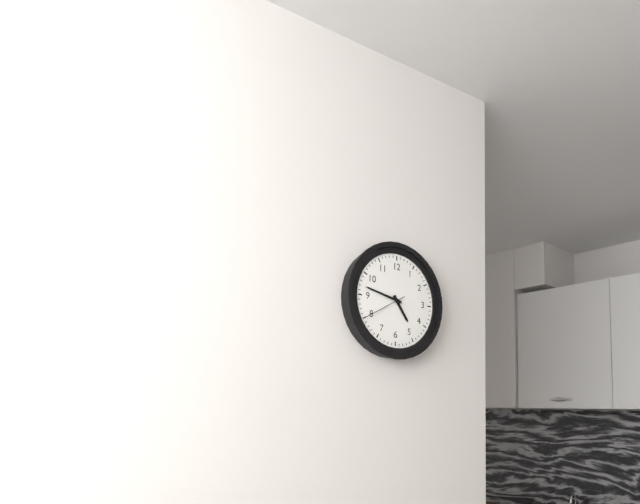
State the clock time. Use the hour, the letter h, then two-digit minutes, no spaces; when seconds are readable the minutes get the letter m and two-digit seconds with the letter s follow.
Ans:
4h47
